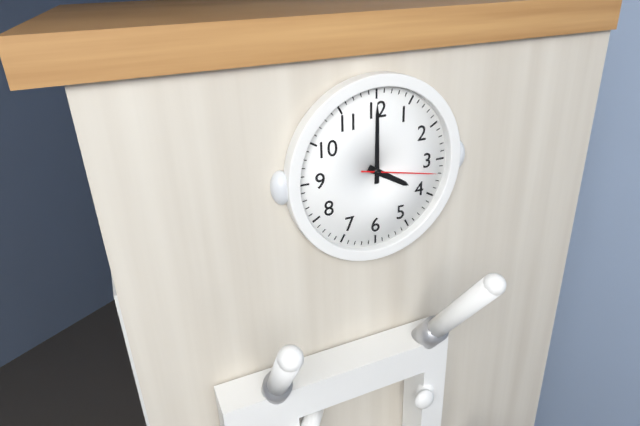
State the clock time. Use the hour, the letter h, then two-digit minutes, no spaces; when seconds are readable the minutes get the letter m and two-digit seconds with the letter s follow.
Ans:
4h00m17s
